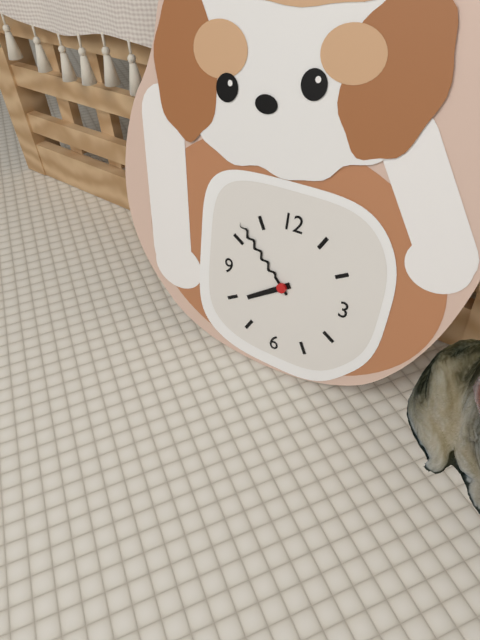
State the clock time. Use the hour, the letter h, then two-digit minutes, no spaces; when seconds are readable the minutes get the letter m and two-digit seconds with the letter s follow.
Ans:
7h52
